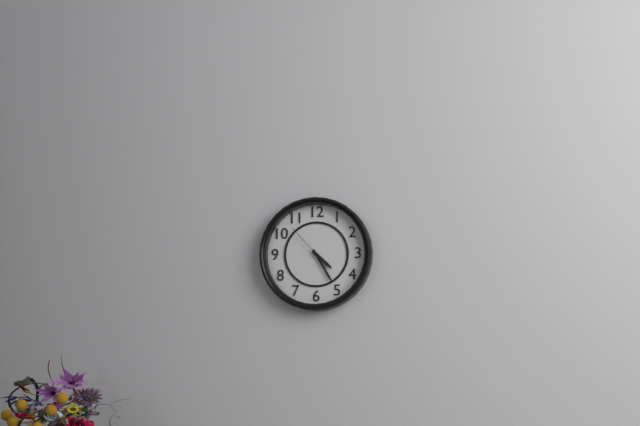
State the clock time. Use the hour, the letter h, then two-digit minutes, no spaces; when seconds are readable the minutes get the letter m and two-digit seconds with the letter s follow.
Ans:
4h25
